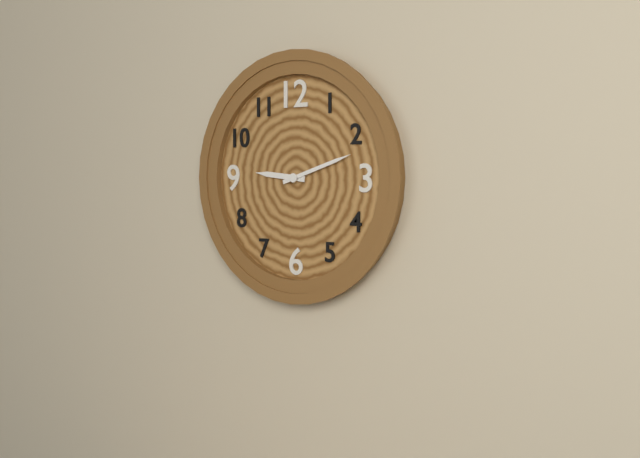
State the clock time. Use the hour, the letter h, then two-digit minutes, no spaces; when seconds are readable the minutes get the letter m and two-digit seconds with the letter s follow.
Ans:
9h12
